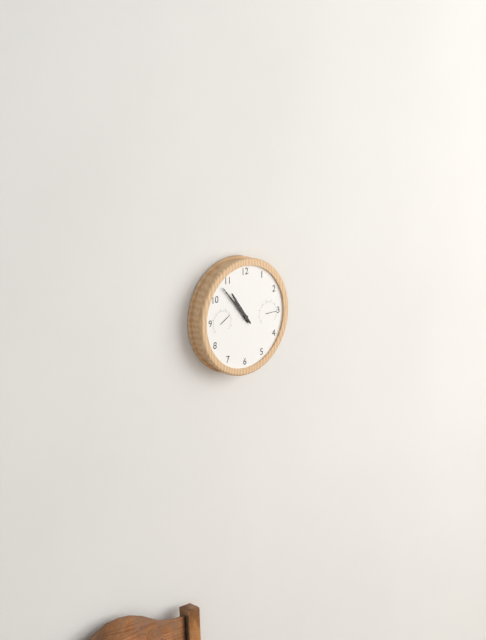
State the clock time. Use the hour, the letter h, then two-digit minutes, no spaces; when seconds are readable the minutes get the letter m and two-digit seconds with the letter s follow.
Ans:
10h53
